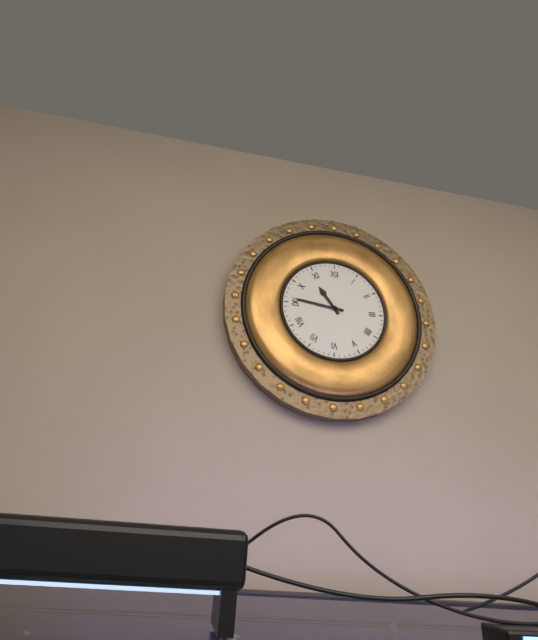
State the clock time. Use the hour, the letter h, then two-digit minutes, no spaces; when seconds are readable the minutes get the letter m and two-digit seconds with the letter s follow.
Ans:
10h46
